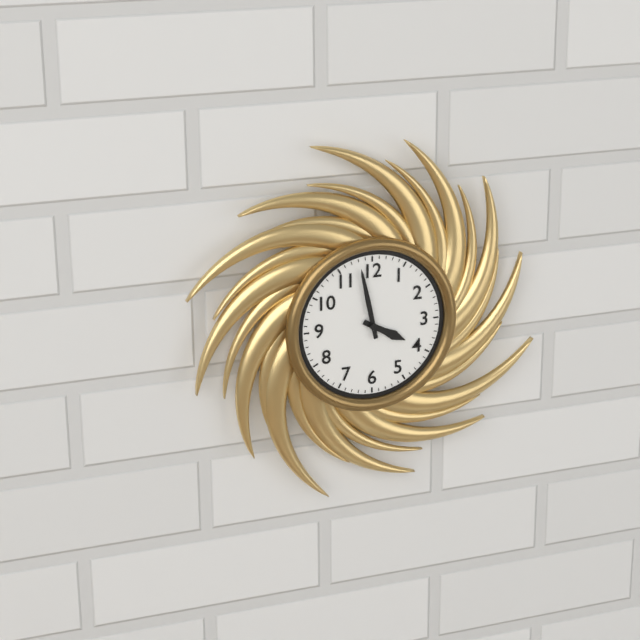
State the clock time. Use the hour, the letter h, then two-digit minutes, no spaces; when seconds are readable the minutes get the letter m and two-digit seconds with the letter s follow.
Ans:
3h58
